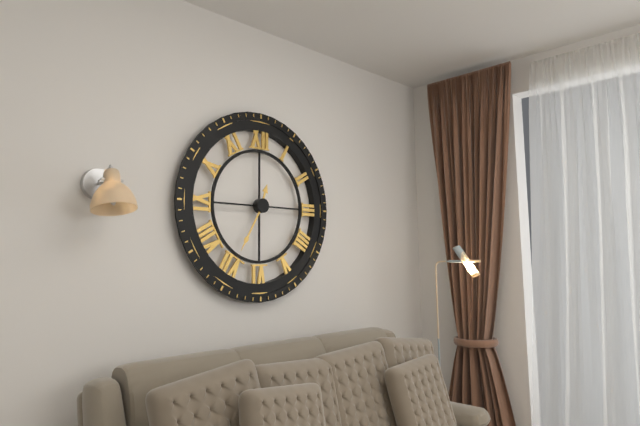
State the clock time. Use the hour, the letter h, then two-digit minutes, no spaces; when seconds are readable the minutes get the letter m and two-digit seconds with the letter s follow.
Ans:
12h35
